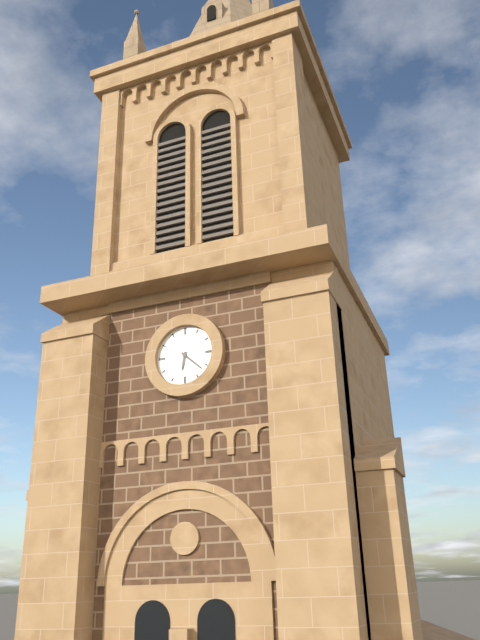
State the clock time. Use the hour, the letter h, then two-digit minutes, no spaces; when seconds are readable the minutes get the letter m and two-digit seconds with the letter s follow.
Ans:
6h22
